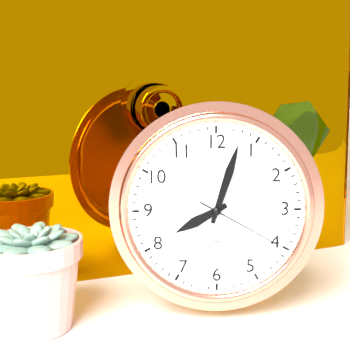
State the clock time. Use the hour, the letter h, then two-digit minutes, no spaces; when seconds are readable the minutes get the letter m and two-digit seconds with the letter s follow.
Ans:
8h03m20s
